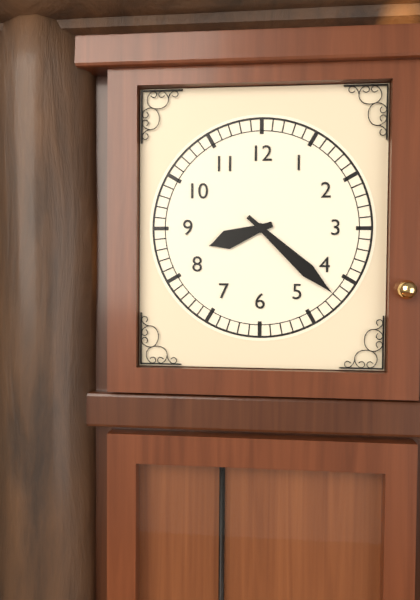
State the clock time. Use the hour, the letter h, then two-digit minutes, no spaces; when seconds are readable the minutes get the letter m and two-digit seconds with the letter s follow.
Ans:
8h22
